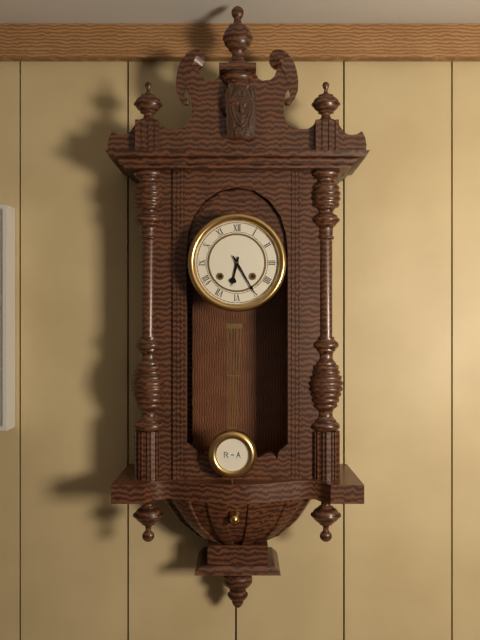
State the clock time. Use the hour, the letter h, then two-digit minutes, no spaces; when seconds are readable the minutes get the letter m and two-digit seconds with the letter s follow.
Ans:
6h25
